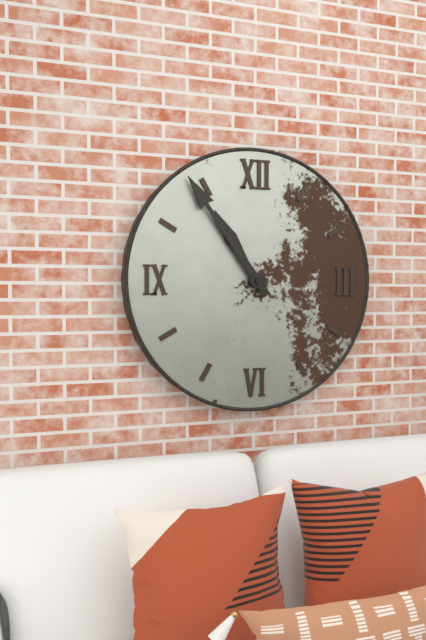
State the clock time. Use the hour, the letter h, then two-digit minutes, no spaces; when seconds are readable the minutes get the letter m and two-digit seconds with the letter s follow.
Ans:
10h54
